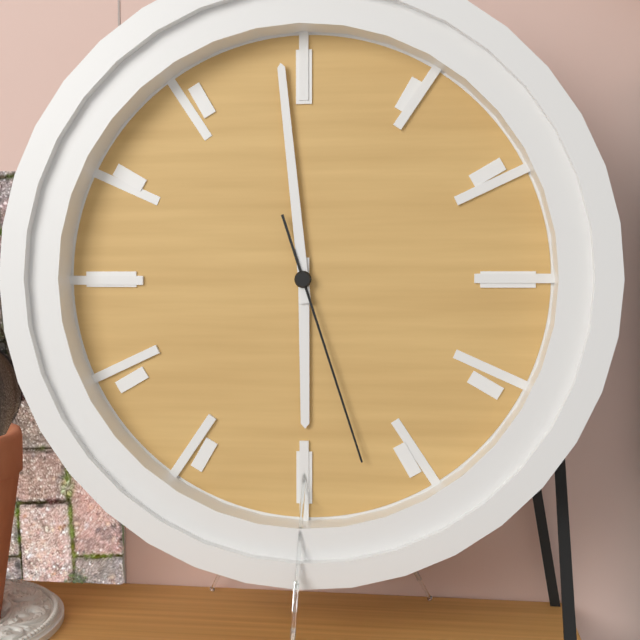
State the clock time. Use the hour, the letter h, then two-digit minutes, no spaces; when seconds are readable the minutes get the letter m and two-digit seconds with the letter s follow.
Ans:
5h59m27s
